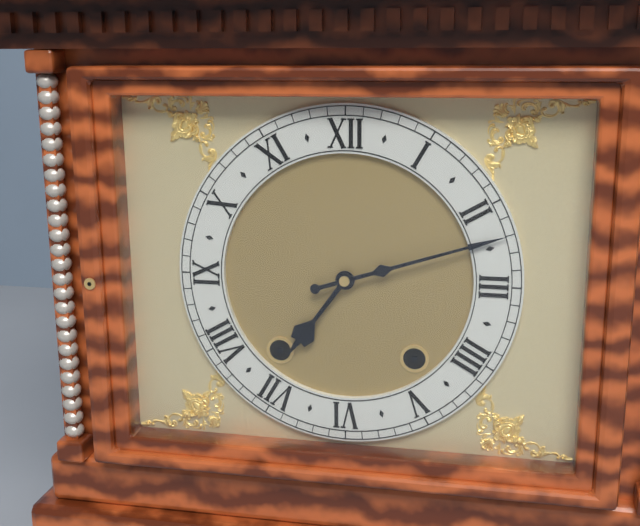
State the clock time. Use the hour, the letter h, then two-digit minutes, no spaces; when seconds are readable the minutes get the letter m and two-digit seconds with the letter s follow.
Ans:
7h12
